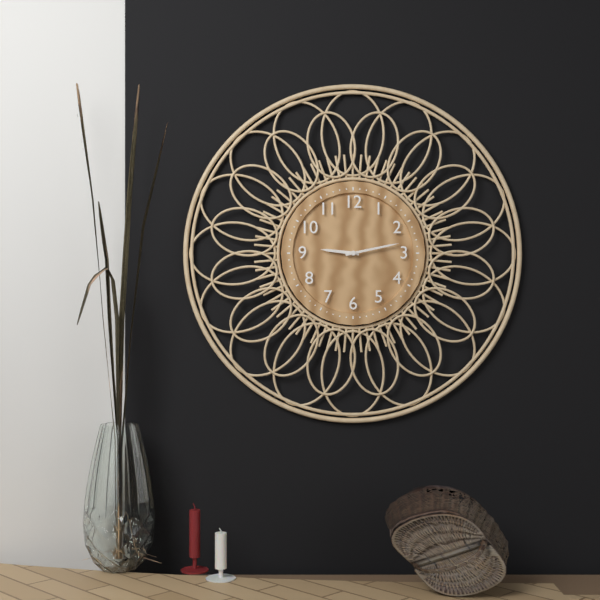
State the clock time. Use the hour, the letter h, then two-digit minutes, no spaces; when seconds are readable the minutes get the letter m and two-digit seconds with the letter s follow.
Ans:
9h13
